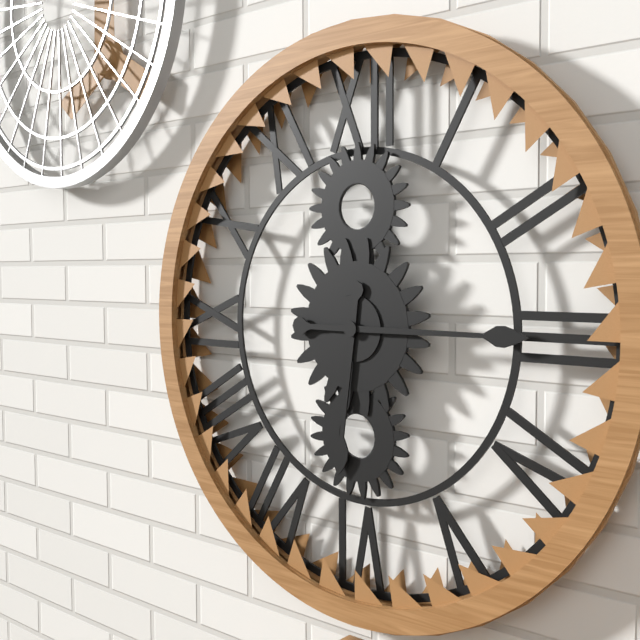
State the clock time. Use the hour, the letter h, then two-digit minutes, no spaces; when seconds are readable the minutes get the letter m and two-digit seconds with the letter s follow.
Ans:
6h15
